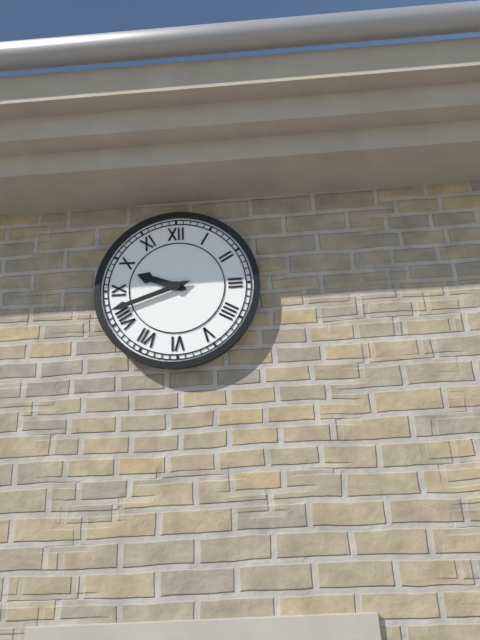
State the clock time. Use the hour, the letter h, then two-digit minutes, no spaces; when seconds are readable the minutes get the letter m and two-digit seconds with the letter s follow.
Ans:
9h42
